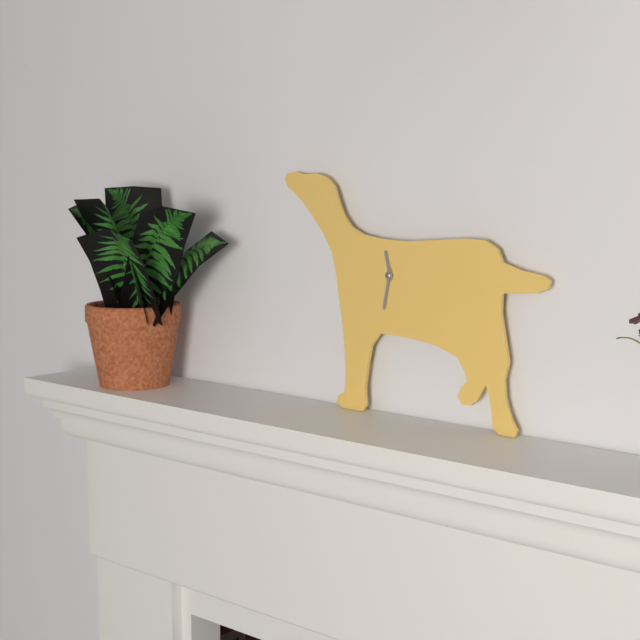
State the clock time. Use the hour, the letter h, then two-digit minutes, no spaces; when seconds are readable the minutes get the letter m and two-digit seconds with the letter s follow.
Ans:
11h32
